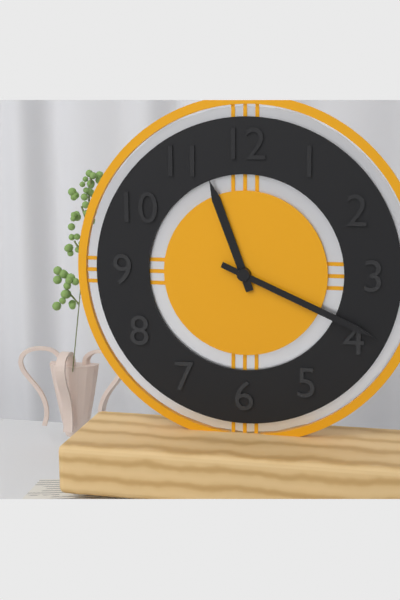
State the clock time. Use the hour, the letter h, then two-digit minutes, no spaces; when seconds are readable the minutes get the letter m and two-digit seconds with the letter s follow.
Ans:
11h19
